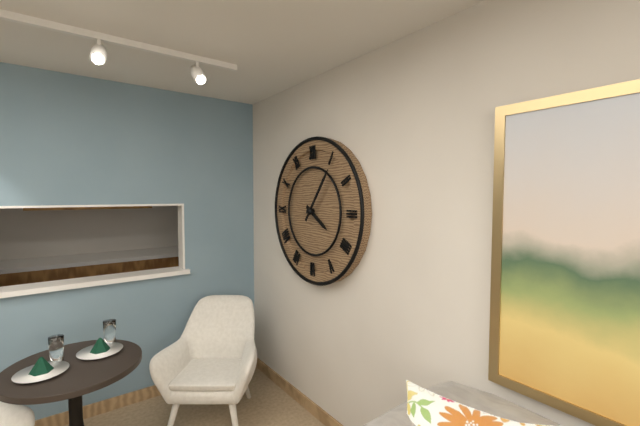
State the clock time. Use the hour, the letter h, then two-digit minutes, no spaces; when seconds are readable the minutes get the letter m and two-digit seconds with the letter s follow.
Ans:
4h06
